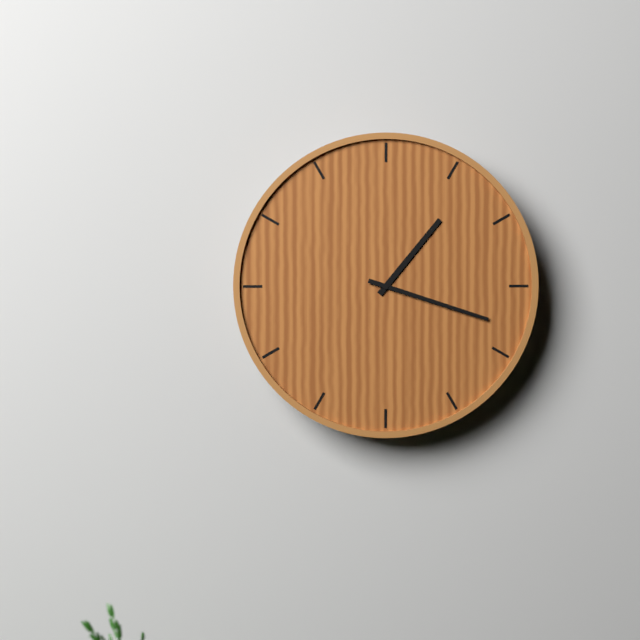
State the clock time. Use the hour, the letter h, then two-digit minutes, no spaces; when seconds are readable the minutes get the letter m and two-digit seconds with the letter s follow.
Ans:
1h18
